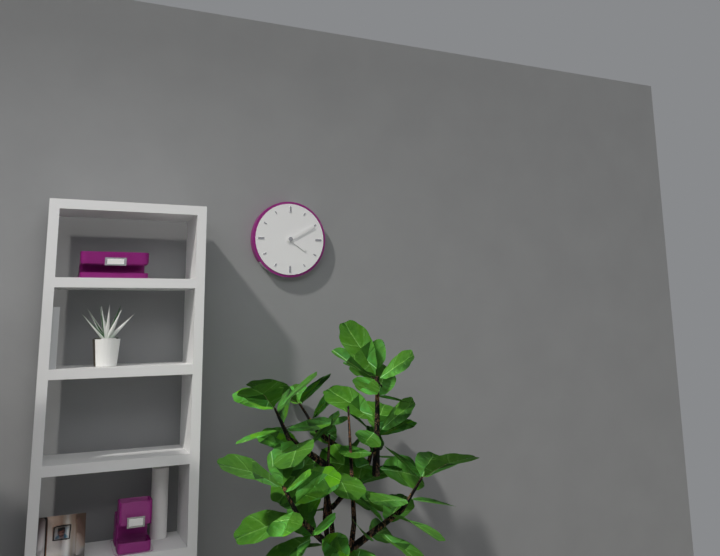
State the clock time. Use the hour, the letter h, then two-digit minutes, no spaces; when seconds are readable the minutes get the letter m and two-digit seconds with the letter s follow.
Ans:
4h10
